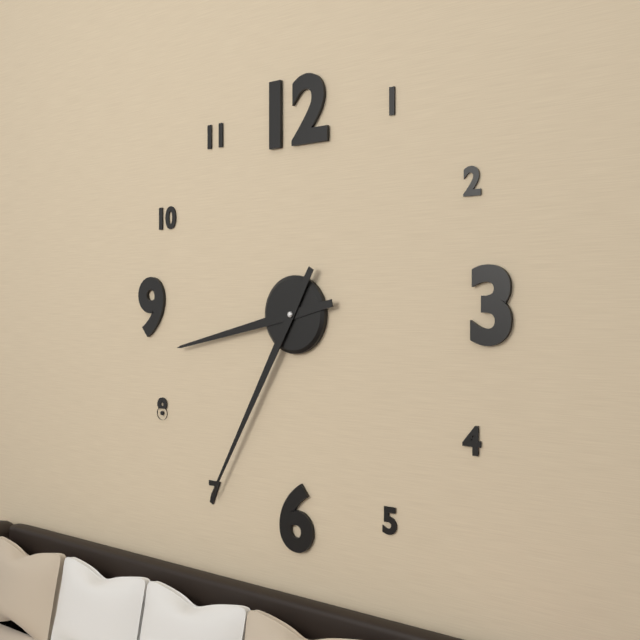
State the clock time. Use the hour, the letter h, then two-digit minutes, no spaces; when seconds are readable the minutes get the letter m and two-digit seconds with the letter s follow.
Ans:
8h35
